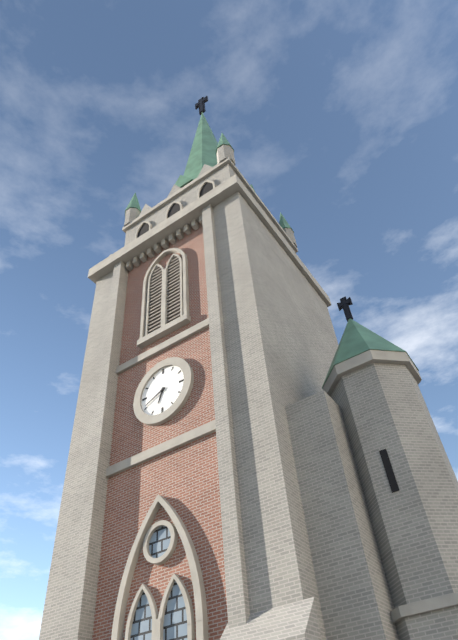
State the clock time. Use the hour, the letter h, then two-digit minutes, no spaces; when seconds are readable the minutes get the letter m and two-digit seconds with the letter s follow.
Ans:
6h41
